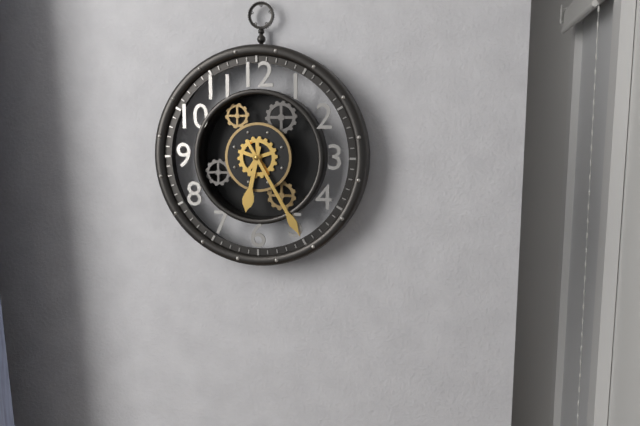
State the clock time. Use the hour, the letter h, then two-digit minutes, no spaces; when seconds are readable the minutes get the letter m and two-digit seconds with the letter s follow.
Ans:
6h25
